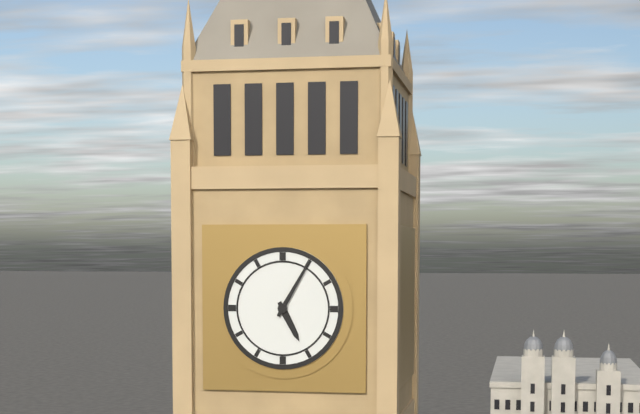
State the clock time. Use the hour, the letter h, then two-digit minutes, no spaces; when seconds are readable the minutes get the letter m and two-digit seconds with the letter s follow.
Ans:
5h05
